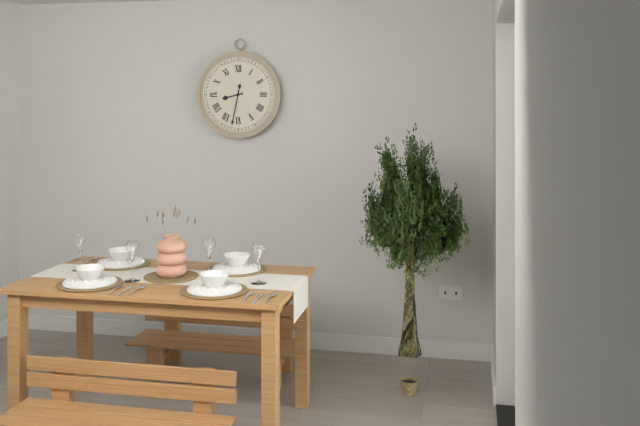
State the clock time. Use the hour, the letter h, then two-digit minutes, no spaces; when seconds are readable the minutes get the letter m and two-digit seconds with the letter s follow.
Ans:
8h32
